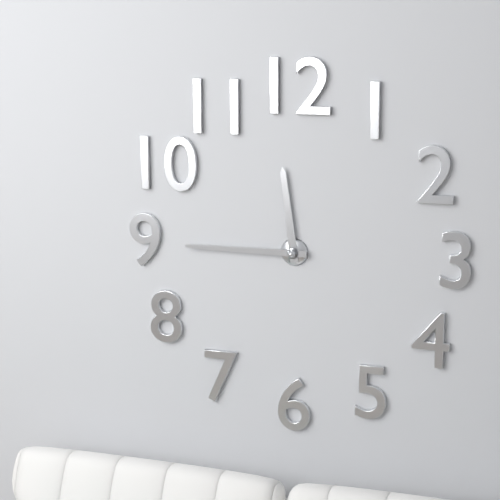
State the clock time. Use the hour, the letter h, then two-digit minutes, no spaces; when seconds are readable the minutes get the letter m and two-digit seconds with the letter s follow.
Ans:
11h45
